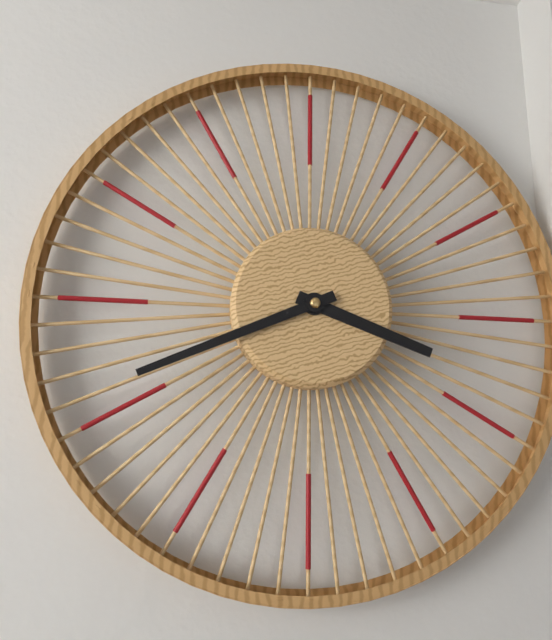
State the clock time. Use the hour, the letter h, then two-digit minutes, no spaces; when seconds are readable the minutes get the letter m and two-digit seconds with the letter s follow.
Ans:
3h41
